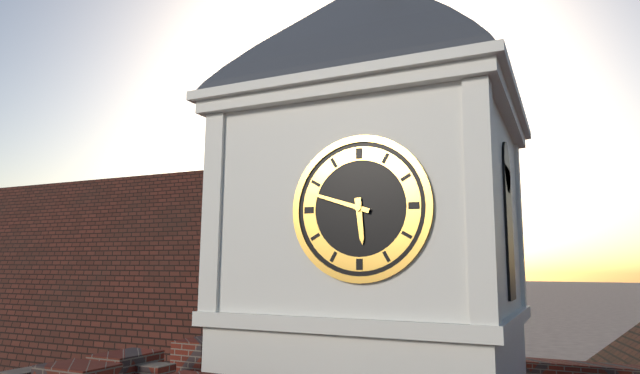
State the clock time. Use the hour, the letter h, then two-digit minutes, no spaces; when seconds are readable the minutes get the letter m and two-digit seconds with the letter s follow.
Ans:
5h48
